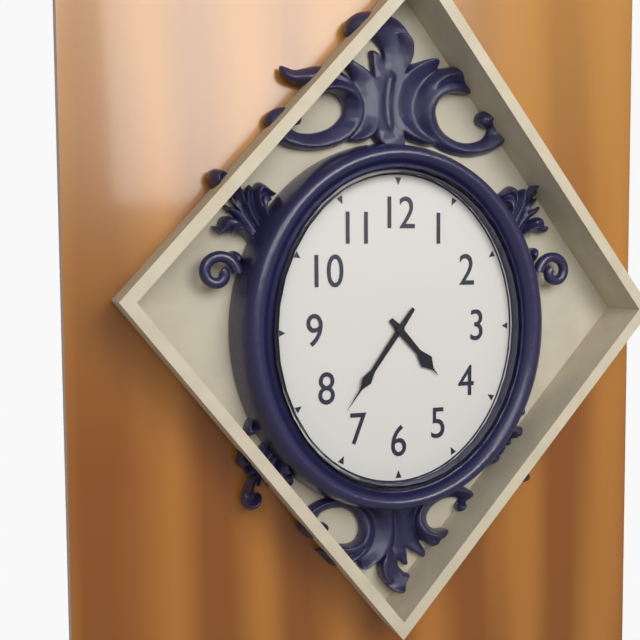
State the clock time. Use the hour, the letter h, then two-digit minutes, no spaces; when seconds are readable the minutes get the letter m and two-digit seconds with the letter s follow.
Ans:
4h36
